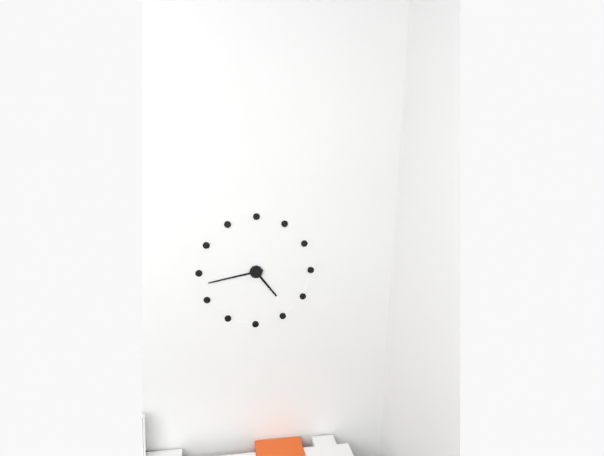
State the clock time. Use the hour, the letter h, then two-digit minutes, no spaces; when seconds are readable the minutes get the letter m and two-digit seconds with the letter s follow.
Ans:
4h43
